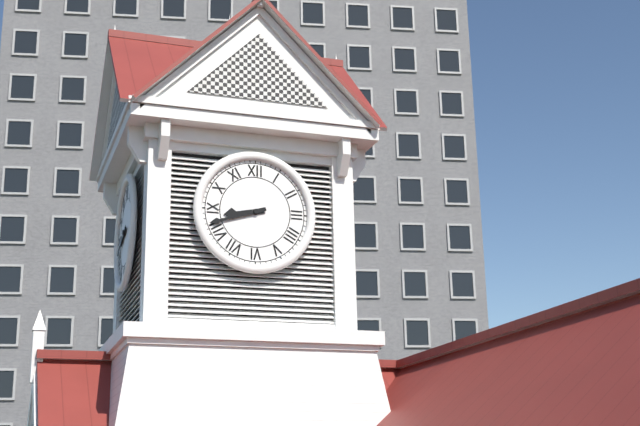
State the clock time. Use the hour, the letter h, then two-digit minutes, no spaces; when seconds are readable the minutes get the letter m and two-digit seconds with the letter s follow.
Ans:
8h42
